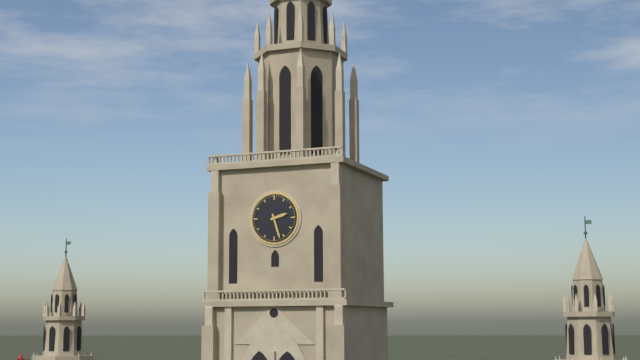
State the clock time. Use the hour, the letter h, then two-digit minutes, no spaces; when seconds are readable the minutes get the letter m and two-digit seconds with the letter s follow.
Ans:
2h27
